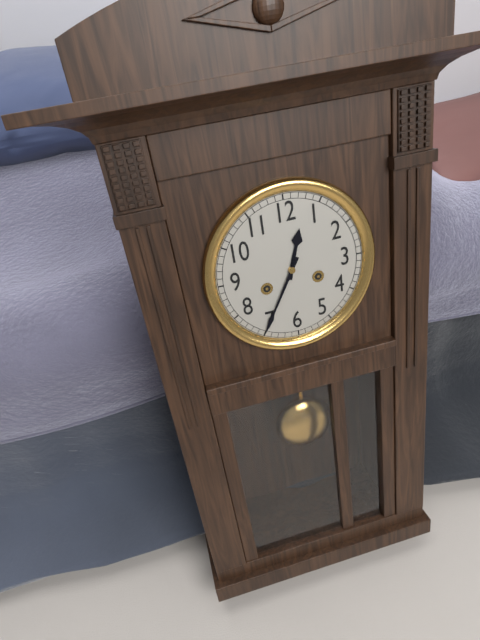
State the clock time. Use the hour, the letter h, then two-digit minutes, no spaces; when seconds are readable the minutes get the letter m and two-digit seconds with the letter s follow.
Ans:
12h35
